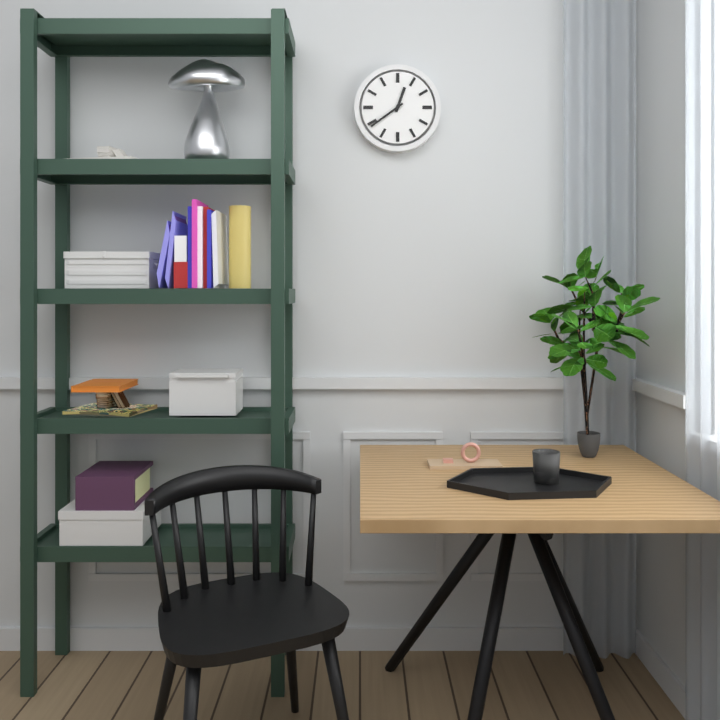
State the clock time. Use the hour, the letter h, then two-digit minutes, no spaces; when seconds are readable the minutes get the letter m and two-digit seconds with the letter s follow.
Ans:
12h39
